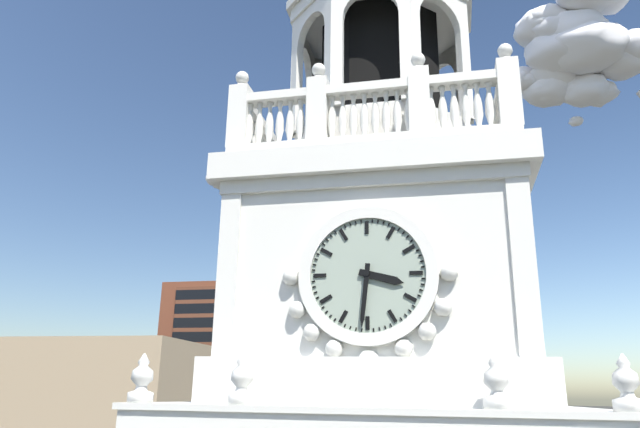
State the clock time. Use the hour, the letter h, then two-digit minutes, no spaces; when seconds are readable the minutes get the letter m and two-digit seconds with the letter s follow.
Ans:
3h31
